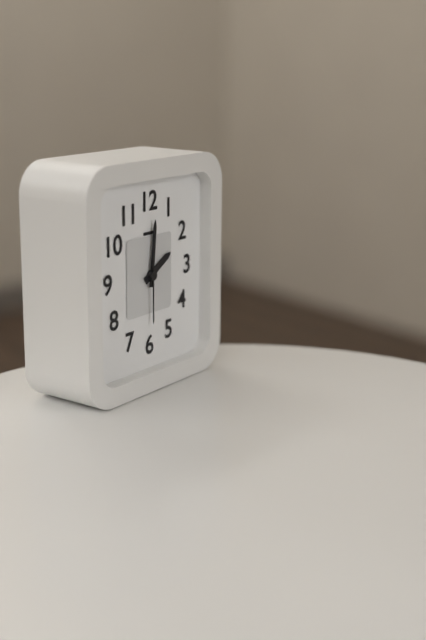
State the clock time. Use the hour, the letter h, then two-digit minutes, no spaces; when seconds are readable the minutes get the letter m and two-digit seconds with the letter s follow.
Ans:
2h01m30s
